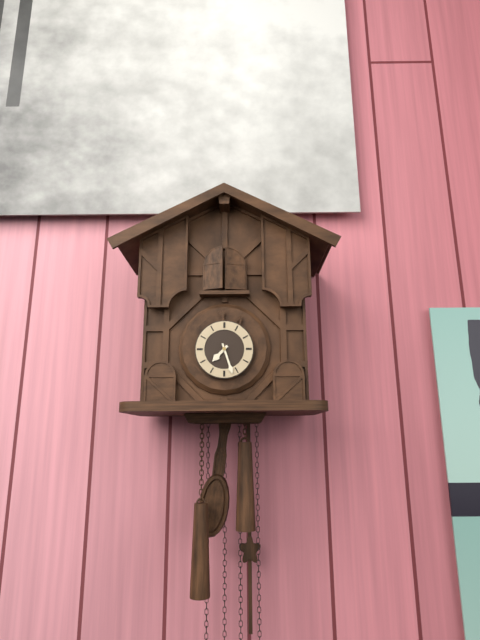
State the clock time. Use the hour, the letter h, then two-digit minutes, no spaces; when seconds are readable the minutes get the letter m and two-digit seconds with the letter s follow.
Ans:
7h27
